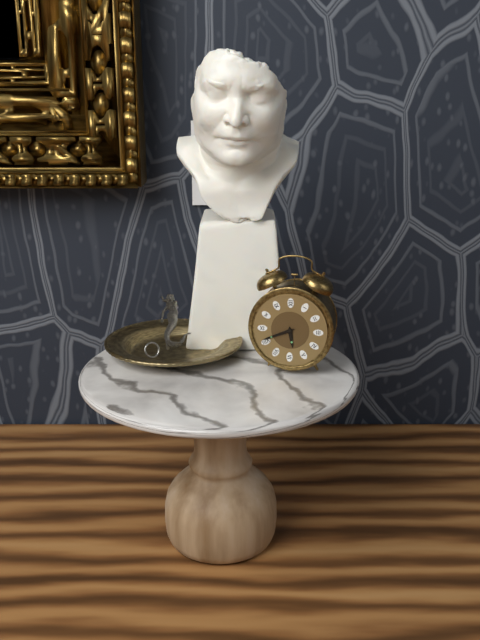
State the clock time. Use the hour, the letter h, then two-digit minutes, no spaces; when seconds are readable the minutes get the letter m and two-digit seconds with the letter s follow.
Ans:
5h41
